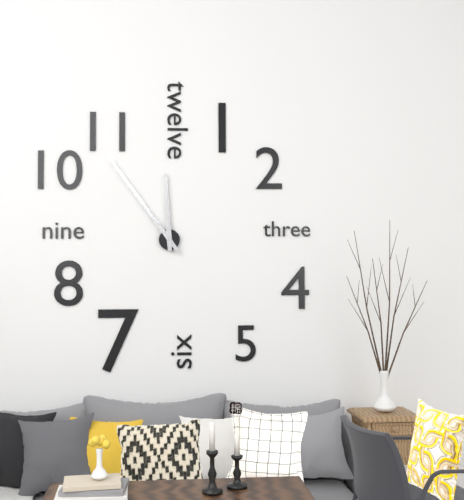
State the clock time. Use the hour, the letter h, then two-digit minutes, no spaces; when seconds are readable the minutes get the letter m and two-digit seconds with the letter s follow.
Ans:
11h54
